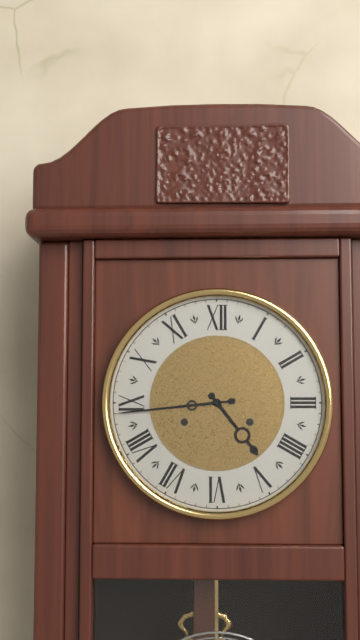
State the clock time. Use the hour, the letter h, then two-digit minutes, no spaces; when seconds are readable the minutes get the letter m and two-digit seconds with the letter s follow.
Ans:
4h44
